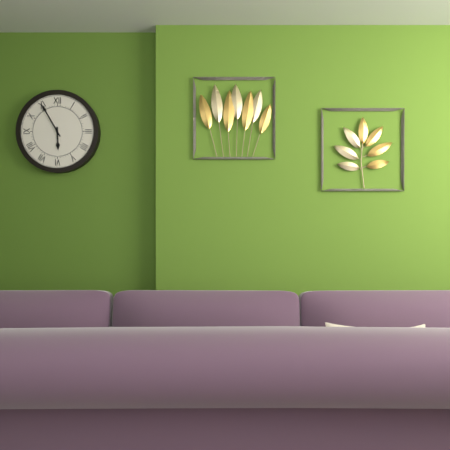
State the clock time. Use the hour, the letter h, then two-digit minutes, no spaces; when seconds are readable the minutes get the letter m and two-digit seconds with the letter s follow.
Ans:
5h55
